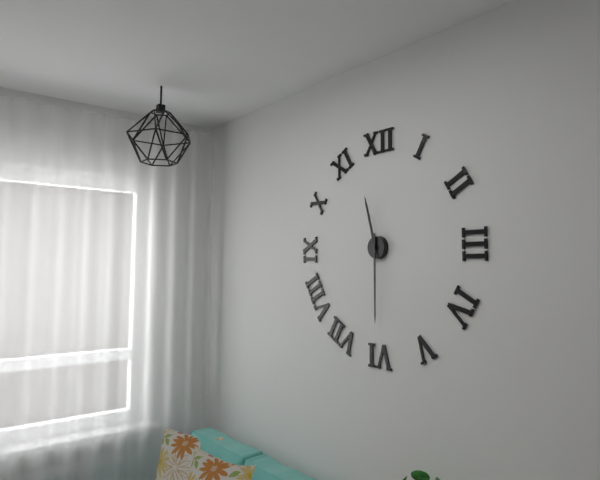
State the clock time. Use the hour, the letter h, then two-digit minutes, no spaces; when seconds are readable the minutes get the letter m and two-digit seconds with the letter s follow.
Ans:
11h30
